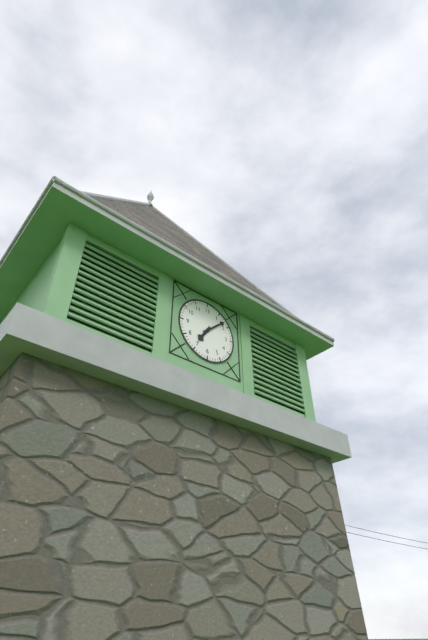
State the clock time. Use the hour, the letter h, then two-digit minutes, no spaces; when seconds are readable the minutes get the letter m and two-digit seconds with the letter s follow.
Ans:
7h08
